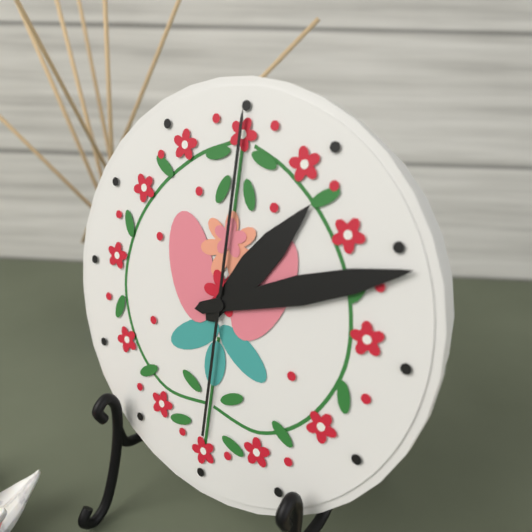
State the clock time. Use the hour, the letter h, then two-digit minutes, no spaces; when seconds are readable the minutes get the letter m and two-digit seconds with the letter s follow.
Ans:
1h11m00s
